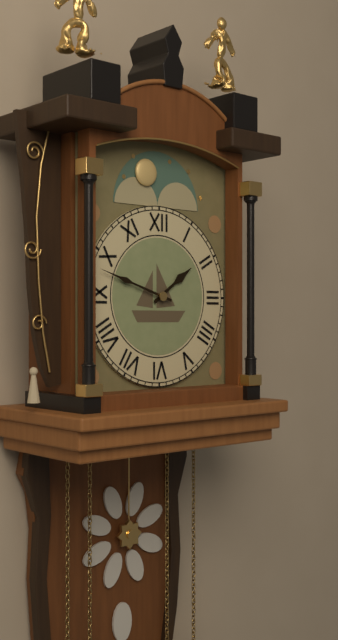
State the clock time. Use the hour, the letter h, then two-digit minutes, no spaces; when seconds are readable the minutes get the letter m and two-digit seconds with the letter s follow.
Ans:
1h48
